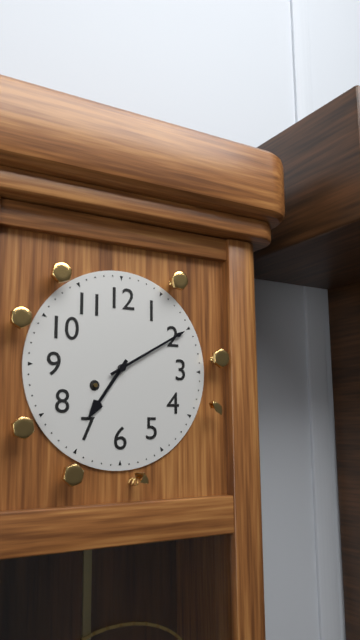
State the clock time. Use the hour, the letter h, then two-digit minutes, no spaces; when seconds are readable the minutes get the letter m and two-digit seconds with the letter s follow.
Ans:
7h10
